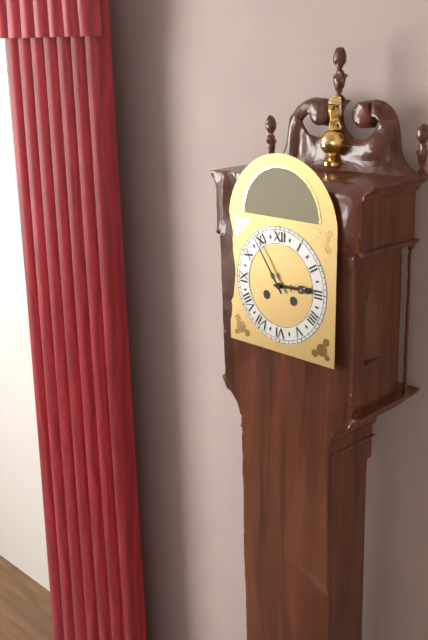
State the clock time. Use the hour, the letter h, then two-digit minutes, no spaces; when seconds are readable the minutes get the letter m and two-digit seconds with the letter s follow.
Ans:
2h54
